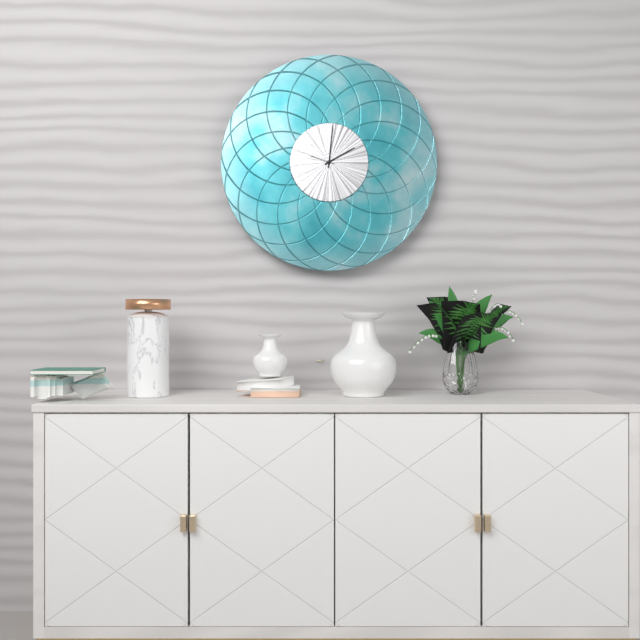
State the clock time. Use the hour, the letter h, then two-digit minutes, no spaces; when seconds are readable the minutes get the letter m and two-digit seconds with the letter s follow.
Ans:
2h01
